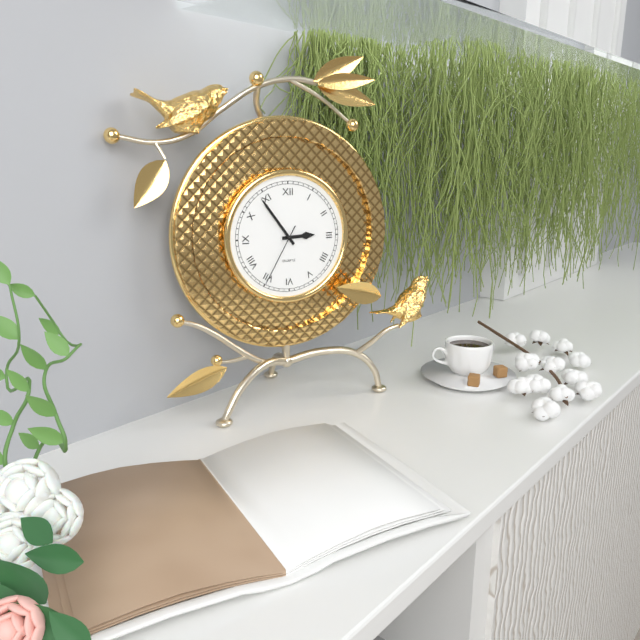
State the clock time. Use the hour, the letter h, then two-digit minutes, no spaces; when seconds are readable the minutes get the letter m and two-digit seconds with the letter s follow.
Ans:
2h54m35s
